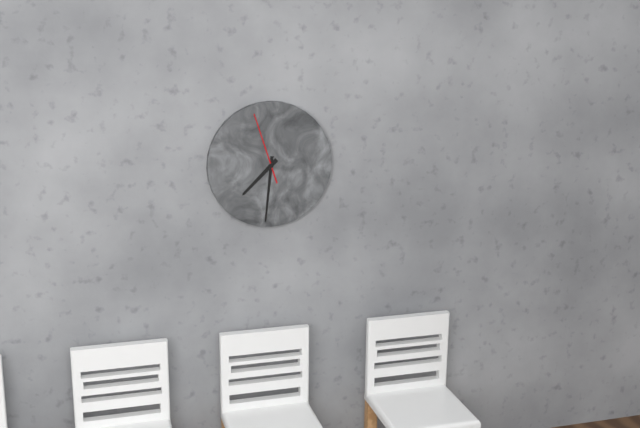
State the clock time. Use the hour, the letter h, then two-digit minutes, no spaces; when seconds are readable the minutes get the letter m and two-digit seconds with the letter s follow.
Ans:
7h31m57s
